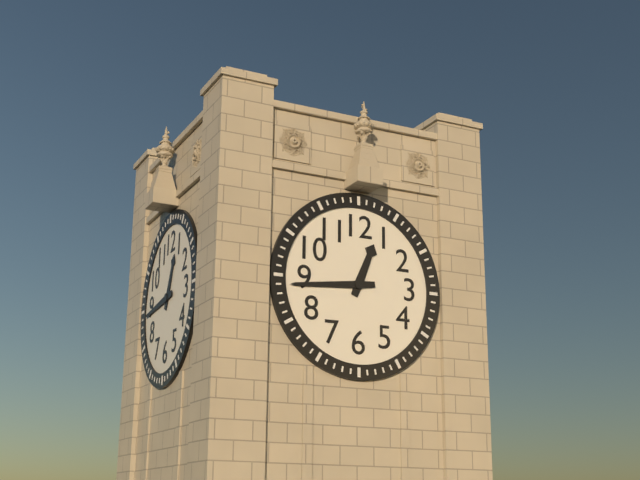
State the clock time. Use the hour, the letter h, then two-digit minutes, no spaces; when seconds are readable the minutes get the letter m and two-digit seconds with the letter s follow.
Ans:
12h44
